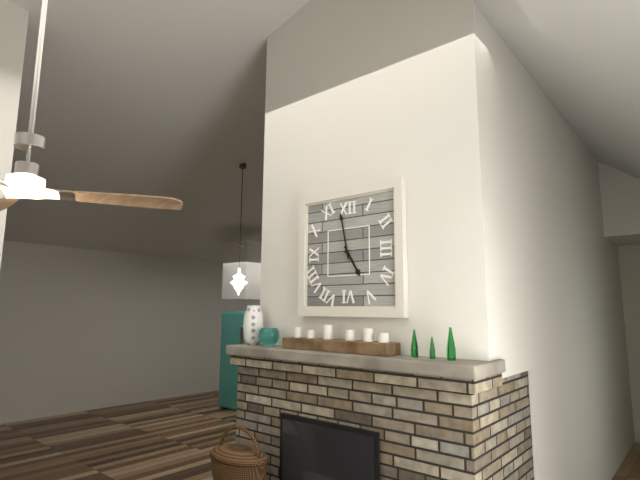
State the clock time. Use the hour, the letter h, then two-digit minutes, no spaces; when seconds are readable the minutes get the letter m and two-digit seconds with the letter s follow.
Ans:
4h58
